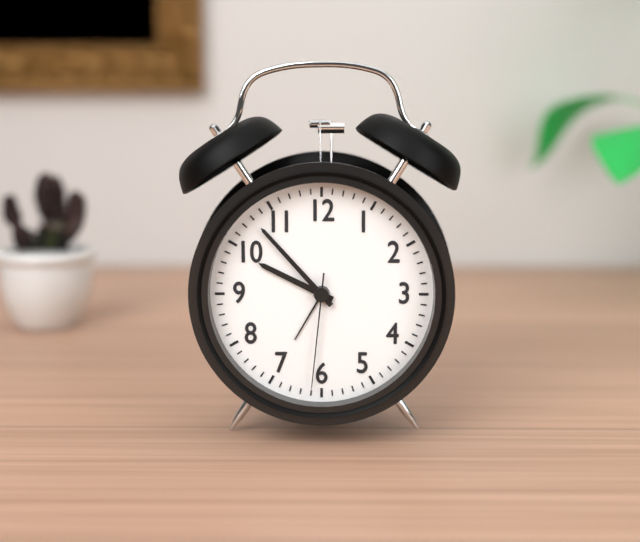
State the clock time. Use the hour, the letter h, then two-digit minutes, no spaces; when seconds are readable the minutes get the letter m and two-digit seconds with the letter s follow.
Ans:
9h53m31s
